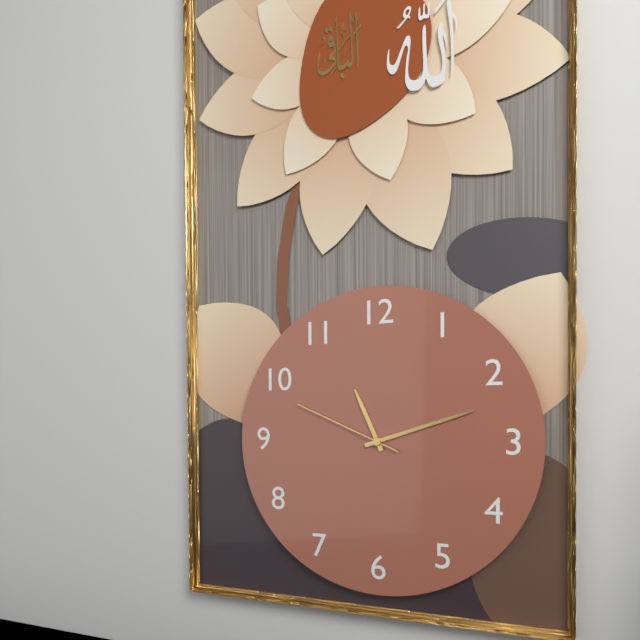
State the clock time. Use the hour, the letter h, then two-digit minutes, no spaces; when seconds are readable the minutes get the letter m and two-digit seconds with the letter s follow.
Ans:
11h12m49s
